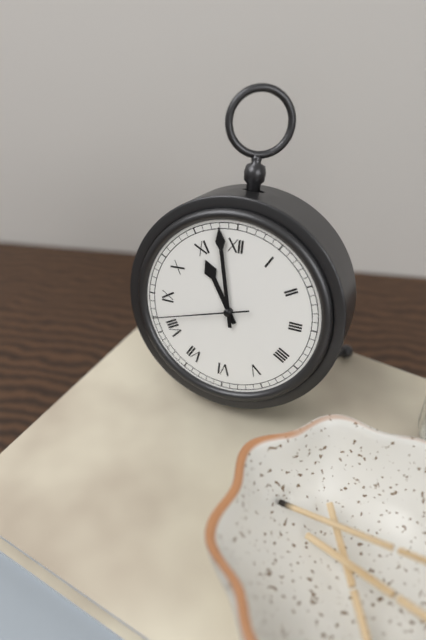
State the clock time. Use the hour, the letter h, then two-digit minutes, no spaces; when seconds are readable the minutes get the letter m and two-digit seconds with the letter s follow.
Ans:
10h58m42s
